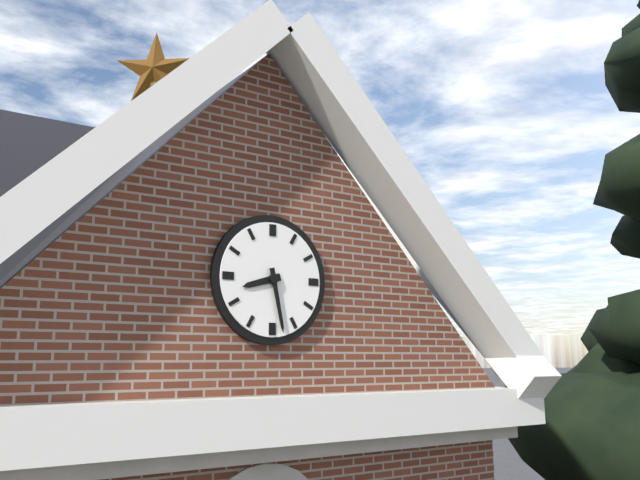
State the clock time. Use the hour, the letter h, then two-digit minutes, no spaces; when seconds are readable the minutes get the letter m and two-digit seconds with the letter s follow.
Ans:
8h28
